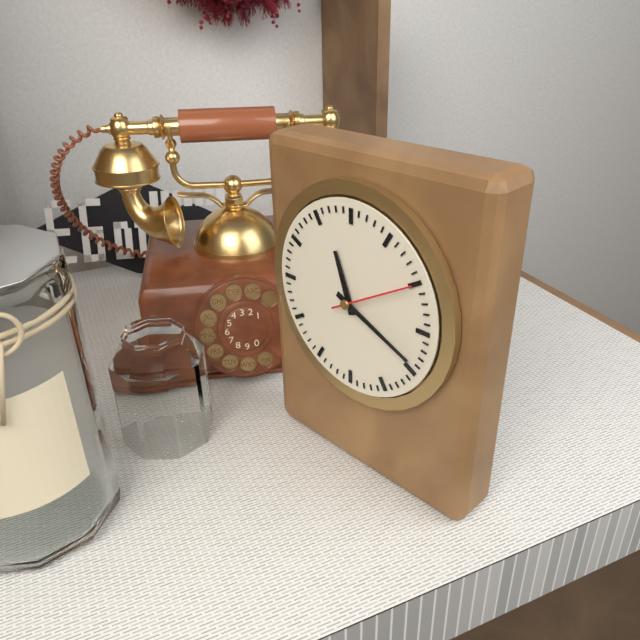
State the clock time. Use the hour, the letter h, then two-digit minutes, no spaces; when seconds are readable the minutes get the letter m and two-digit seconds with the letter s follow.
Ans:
11h19m10s
